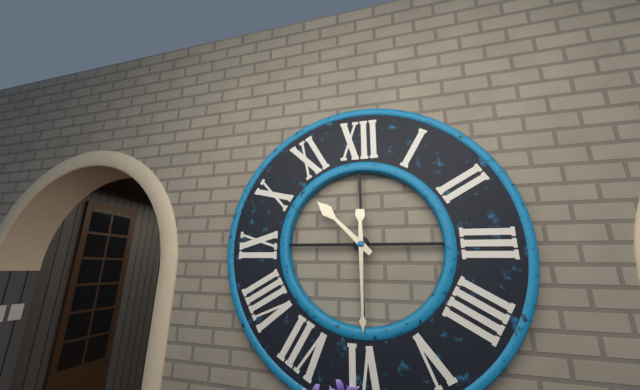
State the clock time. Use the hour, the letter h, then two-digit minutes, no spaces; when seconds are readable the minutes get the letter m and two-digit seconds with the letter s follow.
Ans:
10h30
